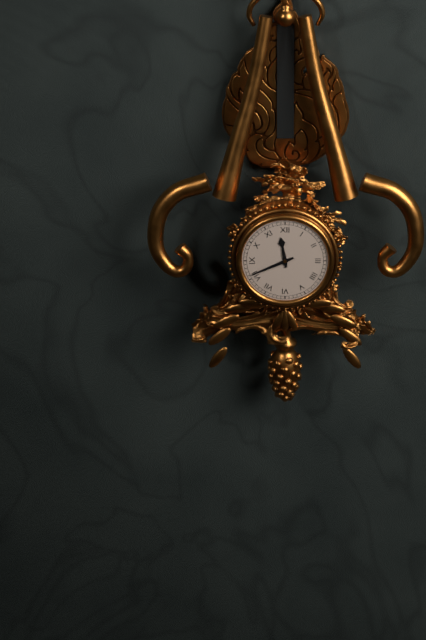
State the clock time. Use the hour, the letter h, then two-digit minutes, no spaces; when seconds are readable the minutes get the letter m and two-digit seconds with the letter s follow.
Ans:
11h41
